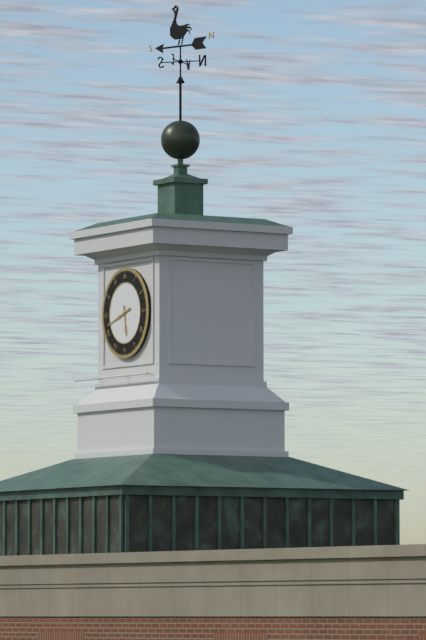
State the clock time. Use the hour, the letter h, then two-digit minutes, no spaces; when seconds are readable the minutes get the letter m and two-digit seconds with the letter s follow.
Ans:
5h42
